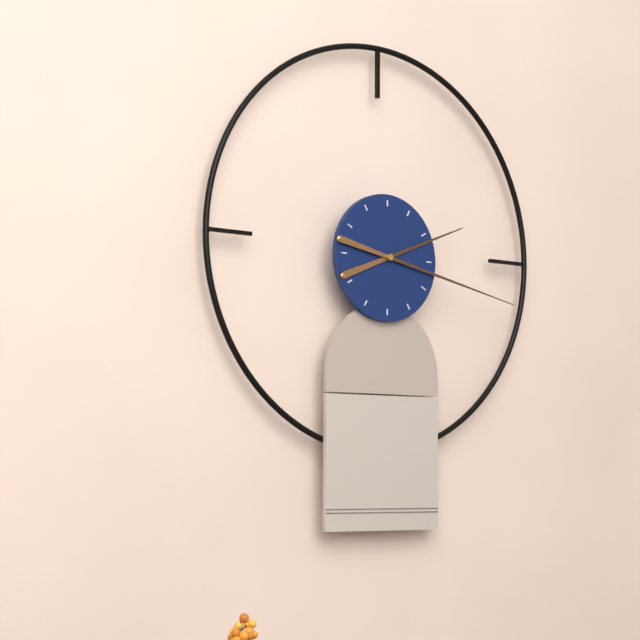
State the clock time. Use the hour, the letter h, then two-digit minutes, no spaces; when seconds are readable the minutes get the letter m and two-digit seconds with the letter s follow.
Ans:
2h17
